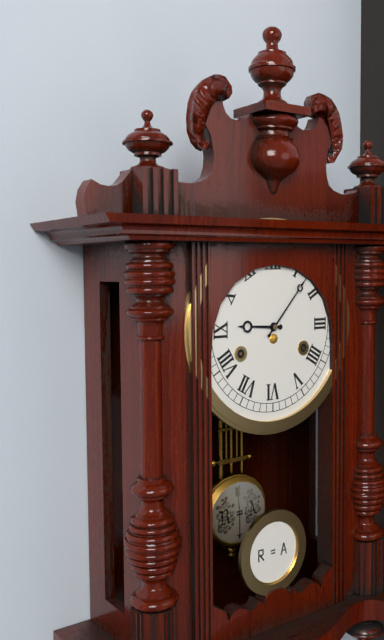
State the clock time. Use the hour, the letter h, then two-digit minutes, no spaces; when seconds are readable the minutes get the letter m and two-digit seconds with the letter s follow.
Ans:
9h07
